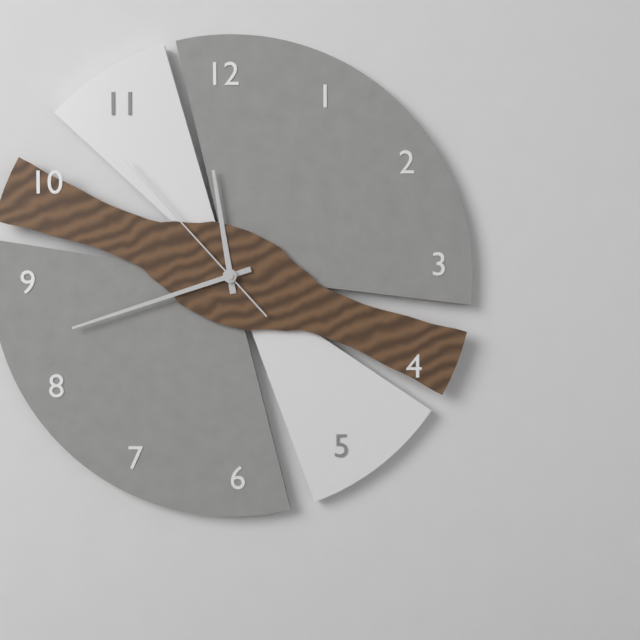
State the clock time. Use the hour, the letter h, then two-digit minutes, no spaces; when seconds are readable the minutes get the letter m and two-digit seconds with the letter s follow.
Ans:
11h42m53s
